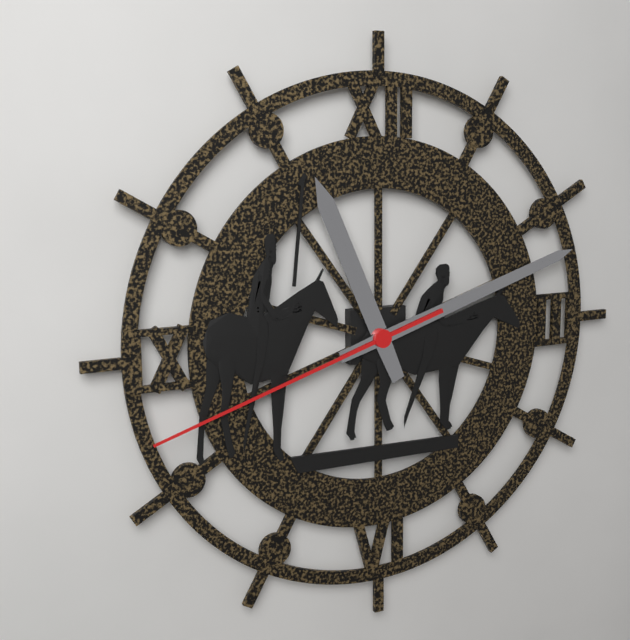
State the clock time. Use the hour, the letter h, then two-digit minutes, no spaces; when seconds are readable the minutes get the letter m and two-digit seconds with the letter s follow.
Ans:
11h12m42s
